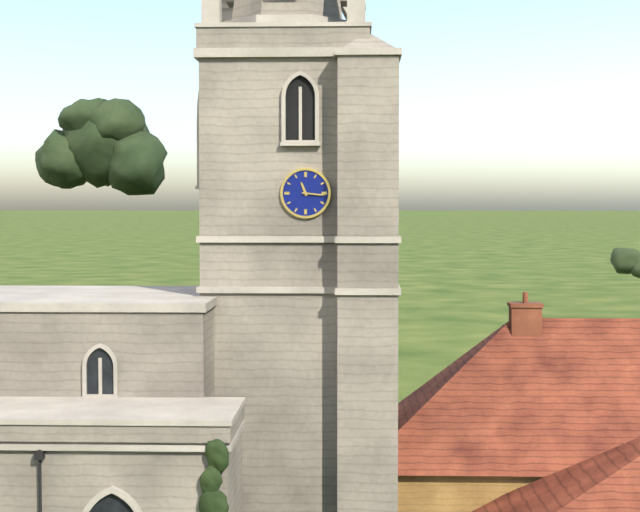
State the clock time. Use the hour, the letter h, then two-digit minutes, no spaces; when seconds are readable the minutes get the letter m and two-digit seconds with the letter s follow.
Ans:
11h16
